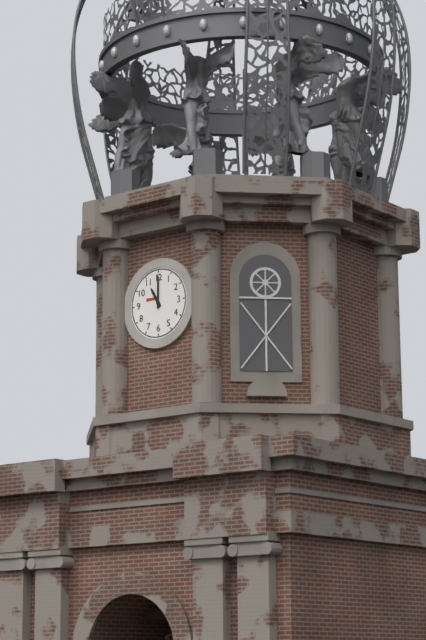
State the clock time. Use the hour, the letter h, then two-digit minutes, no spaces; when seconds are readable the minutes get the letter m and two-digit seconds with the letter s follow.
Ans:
11h00
